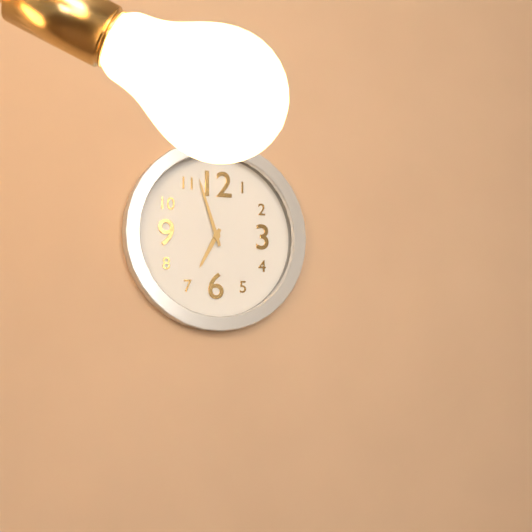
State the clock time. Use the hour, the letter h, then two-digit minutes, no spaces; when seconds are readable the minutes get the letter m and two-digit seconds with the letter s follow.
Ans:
6h57
